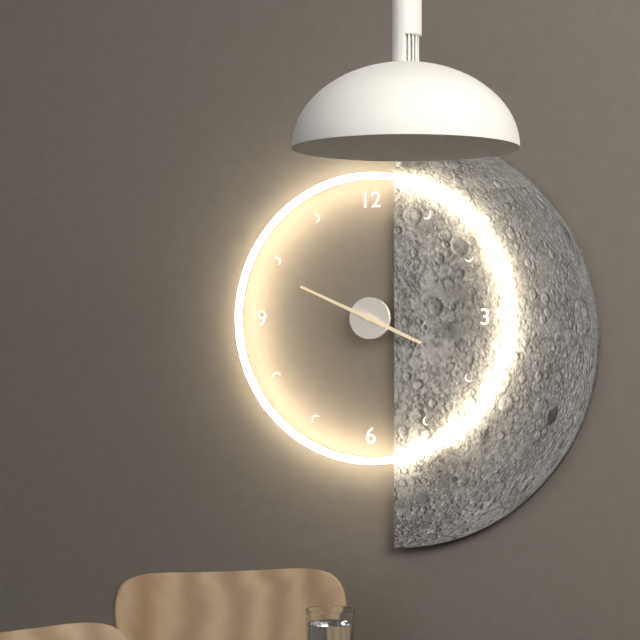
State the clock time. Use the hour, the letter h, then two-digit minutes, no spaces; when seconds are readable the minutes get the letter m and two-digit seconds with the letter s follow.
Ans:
3h49
